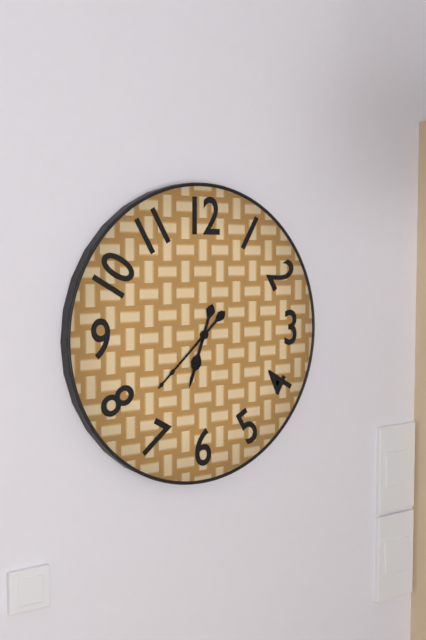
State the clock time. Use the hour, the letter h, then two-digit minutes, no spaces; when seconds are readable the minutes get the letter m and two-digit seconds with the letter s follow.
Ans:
6h38
